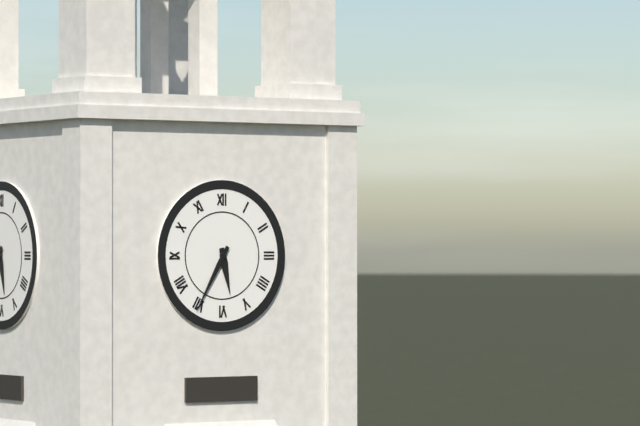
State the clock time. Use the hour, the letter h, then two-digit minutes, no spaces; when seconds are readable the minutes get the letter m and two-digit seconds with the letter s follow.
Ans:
5h35
